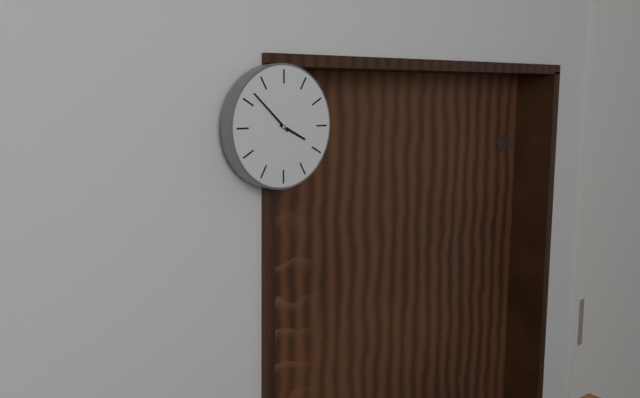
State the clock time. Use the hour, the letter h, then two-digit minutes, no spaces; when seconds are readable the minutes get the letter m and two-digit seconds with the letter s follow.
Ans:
3h52
